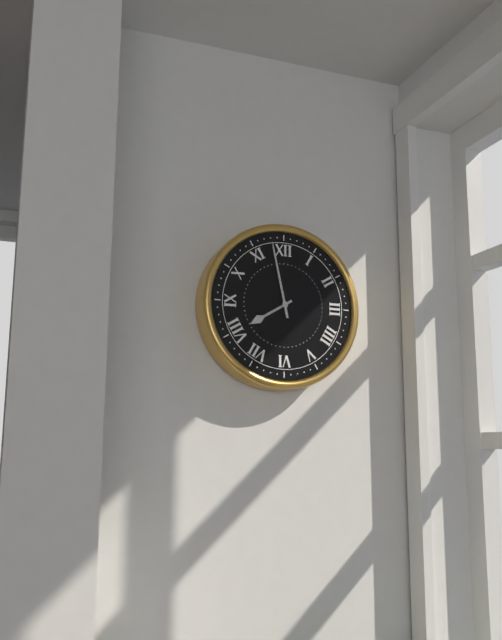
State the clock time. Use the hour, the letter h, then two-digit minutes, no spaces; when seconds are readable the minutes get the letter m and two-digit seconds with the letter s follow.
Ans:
7h58
